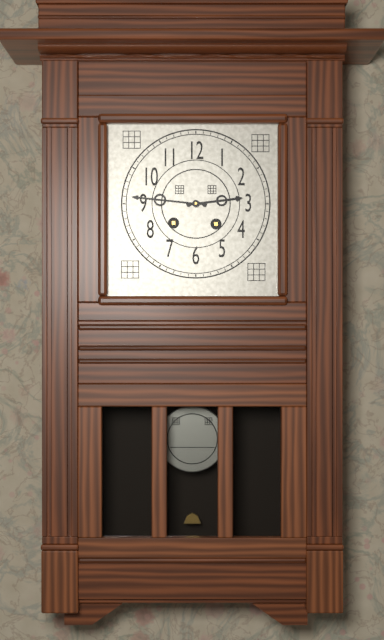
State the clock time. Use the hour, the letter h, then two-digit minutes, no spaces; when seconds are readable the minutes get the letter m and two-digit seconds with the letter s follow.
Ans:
2h46
